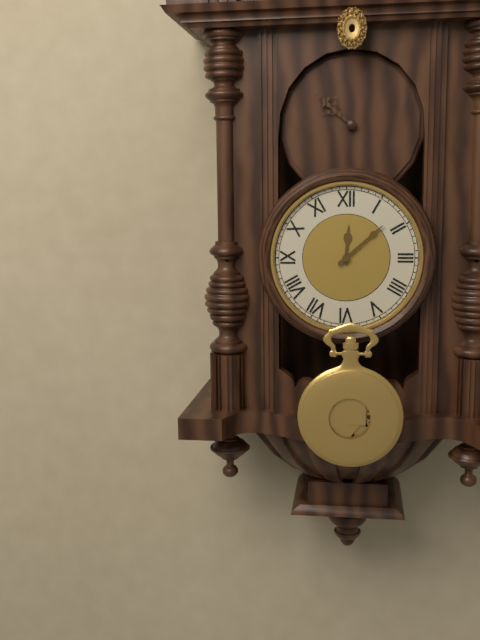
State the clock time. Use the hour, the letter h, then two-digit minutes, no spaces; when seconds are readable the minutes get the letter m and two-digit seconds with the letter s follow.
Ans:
12h08
